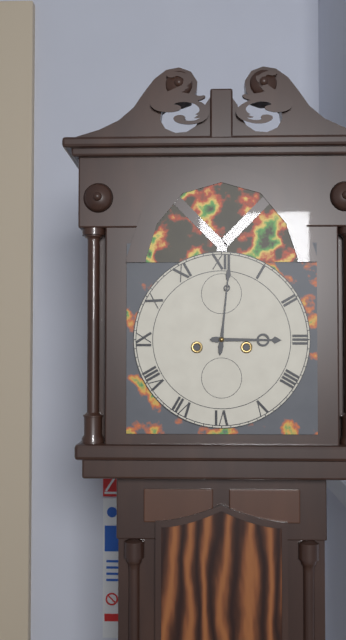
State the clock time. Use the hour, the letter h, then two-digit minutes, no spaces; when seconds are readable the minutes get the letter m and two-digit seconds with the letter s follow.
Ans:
3h01
